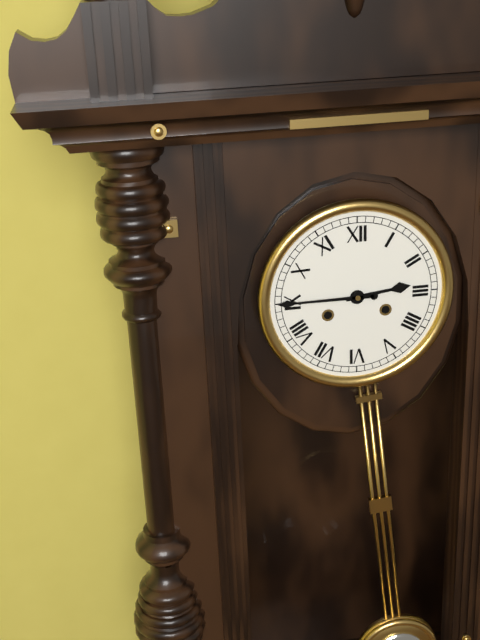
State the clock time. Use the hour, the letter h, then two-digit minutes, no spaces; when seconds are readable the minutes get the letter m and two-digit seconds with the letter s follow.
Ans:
2h45
